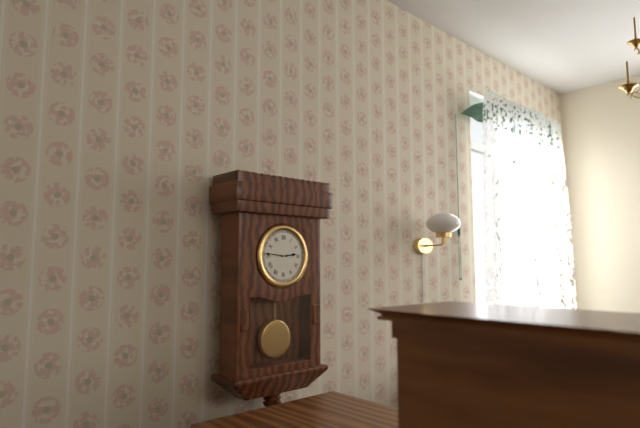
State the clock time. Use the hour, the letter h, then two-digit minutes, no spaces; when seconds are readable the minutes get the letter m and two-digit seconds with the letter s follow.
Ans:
2h46
